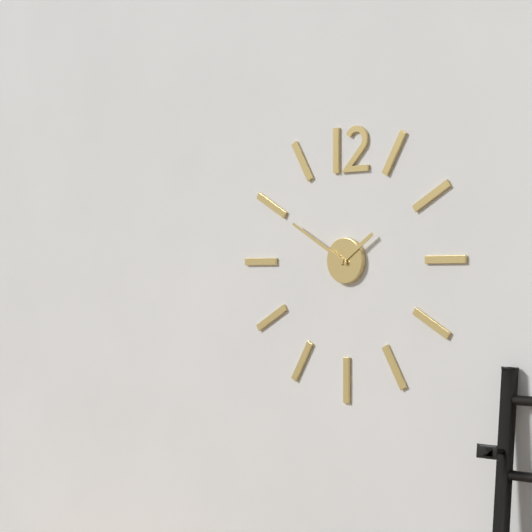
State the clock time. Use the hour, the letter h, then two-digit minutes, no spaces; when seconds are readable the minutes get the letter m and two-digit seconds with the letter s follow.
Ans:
1h50
